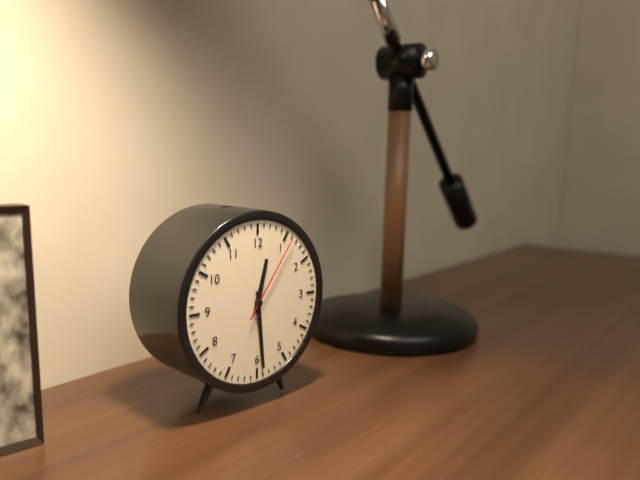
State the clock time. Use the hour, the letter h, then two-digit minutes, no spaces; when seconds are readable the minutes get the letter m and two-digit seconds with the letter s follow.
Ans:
12h29m06s
